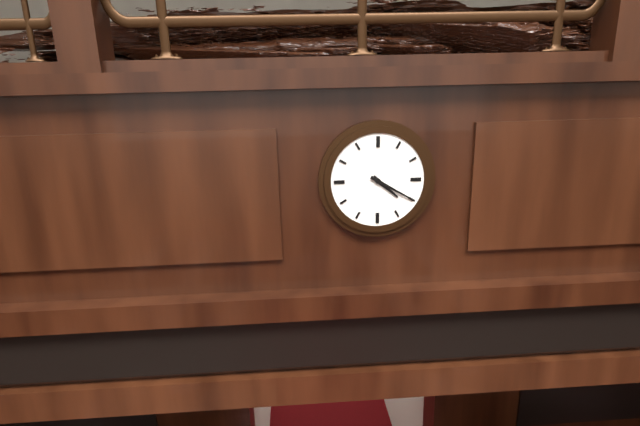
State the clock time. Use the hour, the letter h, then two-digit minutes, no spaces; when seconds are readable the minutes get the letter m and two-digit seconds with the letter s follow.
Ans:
4h20
